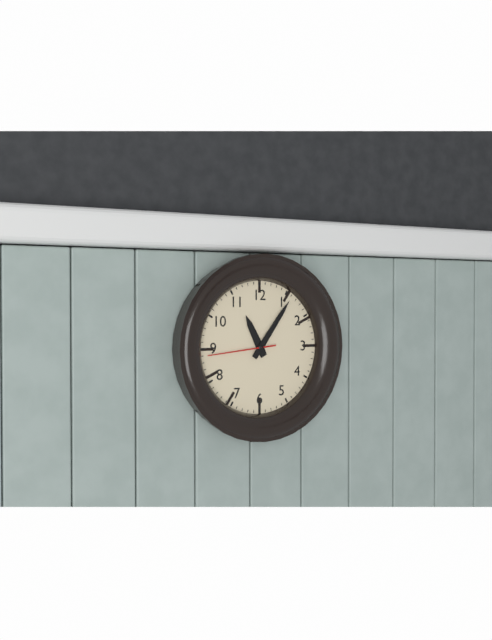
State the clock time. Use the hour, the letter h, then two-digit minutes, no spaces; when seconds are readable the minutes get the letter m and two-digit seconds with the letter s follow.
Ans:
11h06m44s
